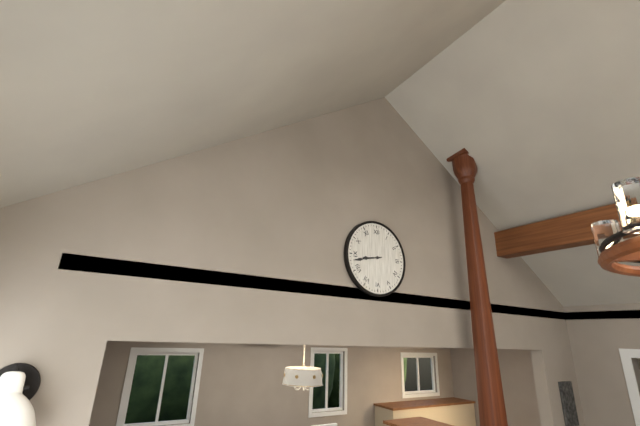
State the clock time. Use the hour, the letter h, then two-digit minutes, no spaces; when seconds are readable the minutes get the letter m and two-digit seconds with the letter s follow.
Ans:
8h43
